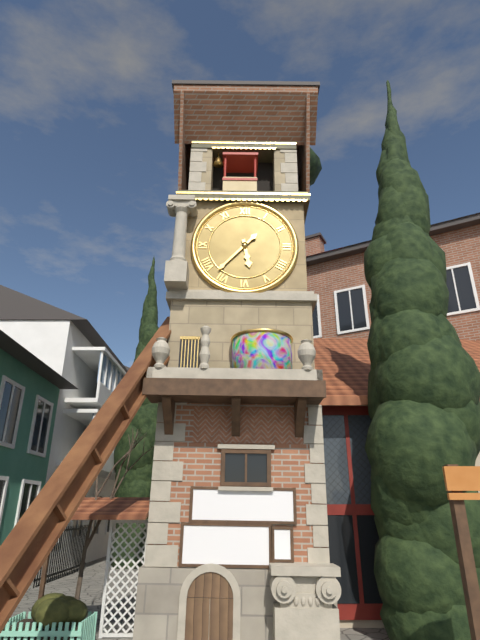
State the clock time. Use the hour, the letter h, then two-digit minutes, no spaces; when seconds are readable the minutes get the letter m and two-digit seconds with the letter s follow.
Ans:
5h37
